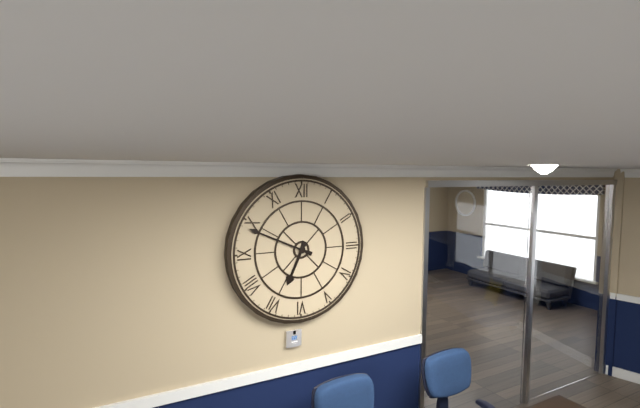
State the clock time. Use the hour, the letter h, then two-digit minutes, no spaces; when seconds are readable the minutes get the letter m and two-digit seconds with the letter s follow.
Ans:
6h49
